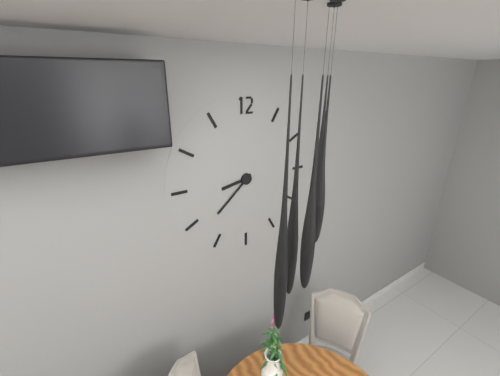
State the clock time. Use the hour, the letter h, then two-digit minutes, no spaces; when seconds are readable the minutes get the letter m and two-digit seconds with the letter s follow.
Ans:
8h38
